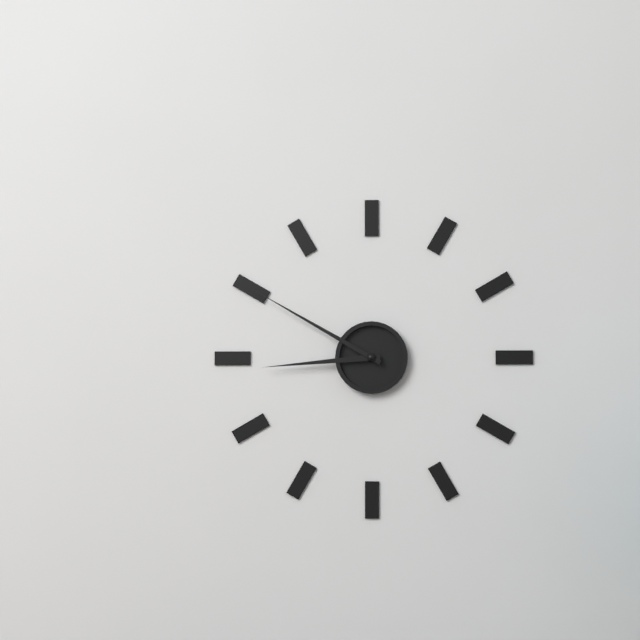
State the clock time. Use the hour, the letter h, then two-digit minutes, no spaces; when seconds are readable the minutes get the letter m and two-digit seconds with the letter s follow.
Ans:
8h50
